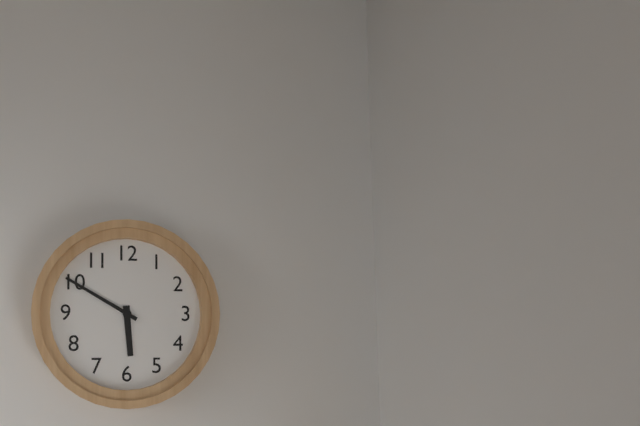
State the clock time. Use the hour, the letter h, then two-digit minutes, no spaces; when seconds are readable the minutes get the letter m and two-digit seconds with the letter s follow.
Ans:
5h50
